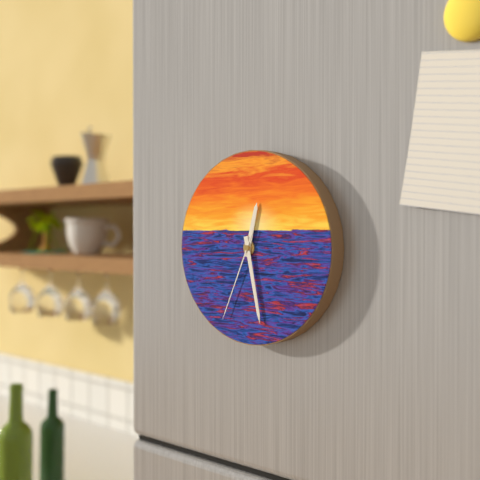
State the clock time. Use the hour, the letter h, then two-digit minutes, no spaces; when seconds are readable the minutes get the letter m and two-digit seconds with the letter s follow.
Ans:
12h28m34s
